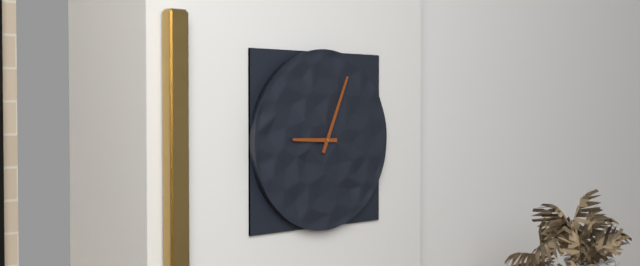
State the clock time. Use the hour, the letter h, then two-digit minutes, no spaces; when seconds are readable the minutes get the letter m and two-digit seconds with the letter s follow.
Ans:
9h04
